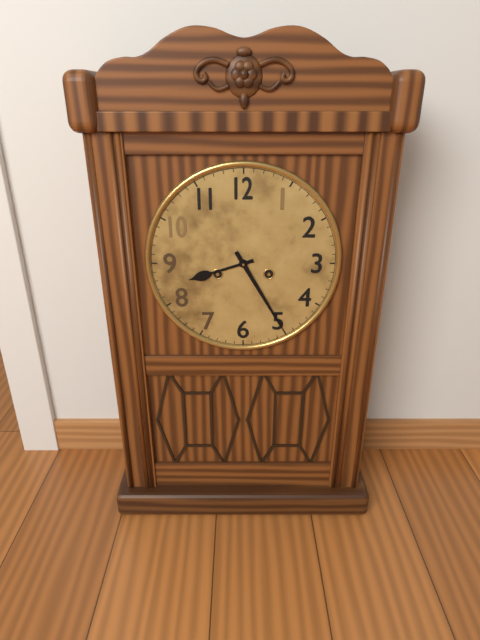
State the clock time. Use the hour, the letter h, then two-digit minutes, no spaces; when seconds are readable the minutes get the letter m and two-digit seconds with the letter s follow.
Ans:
8h25
